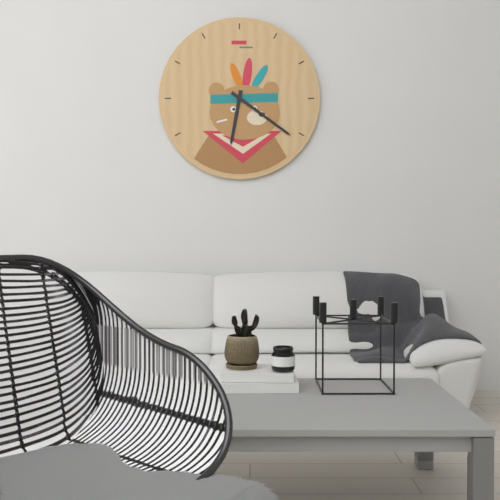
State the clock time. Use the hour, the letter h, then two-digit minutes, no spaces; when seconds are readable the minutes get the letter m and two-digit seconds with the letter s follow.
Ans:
6h21
